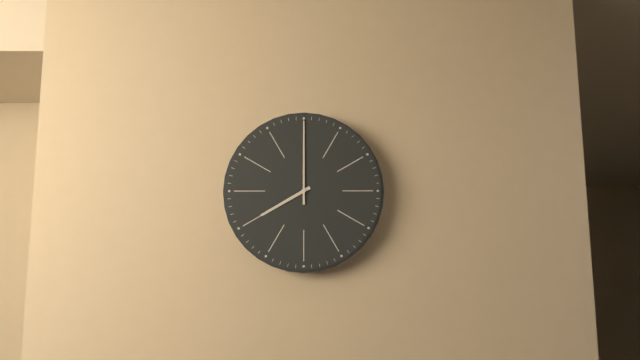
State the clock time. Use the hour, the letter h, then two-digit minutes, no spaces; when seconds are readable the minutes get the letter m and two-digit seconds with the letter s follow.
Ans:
8h00
